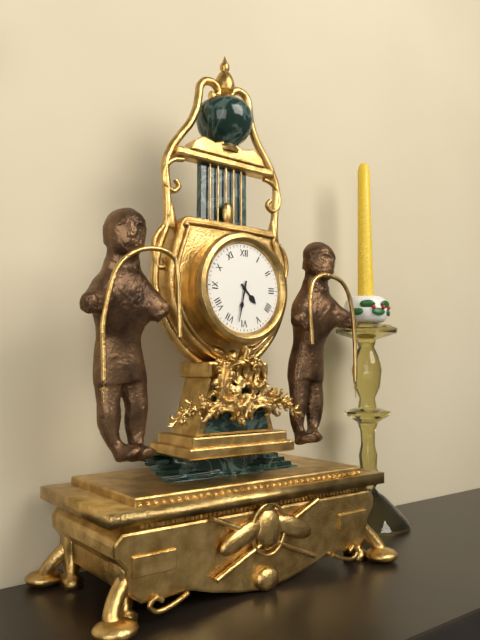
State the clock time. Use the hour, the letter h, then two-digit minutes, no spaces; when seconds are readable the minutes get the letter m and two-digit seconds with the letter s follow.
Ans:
4h32
